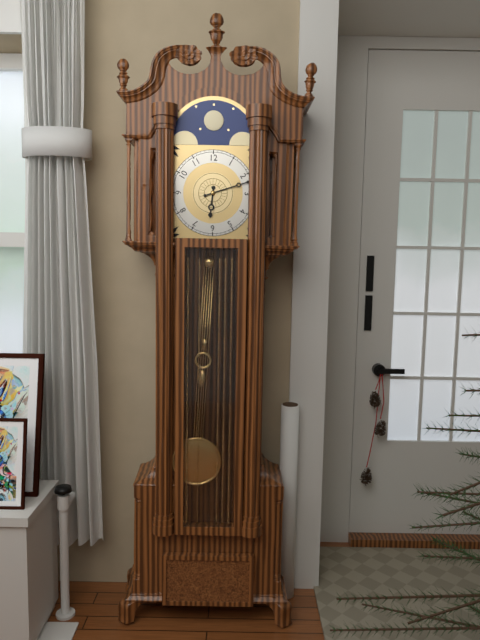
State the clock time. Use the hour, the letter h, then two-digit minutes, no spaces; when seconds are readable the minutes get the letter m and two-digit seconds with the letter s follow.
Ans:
6h12
